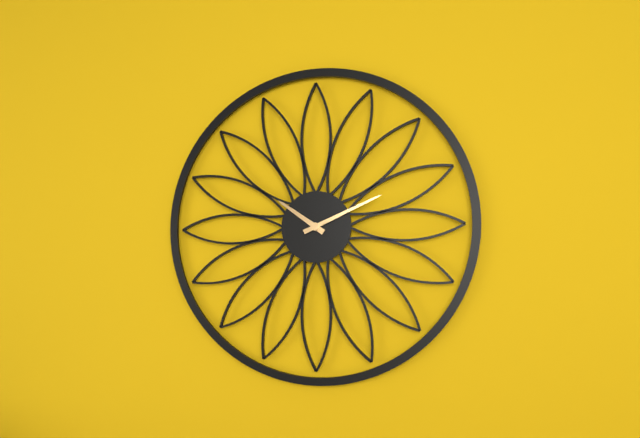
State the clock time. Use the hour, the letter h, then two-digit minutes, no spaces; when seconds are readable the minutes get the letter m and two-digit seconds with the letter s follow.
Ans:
10h11
